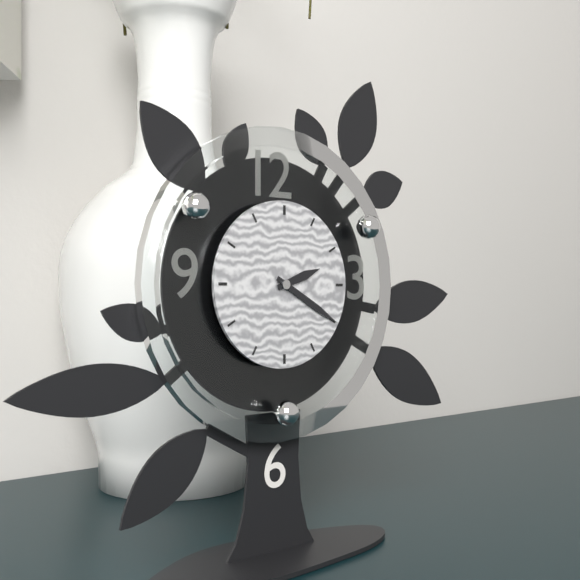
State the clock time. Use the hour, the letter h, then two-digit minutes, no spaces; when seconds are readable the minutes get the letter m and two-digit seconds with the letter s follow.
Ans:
2h20
